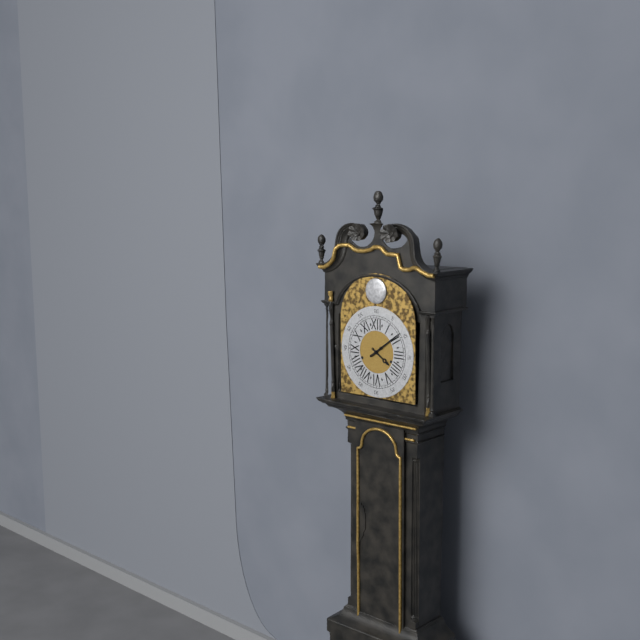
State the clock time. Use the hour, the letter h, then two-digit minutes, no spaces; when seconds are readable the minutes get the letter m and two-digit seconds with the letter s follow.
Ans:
4h09
